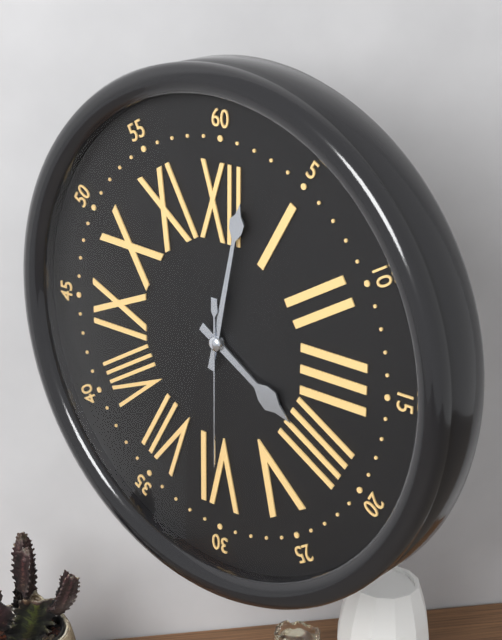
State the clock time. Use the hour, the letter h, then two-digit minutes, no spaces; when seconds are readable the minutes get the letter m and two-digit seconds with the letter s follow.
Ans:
4h02m30s
